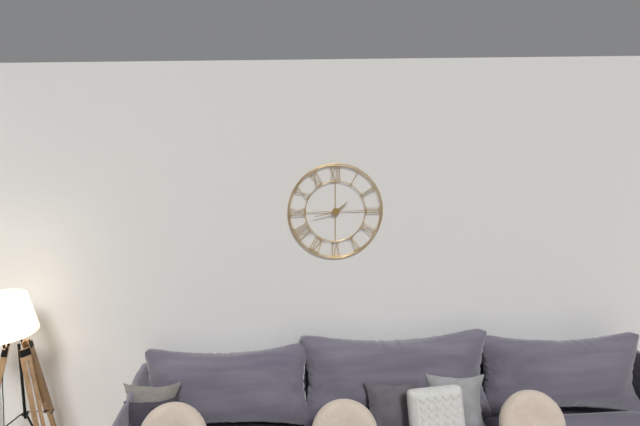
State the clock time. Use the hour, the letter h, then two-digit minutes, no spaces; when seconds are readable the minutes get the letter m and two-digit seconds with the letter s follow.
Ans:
1h43
